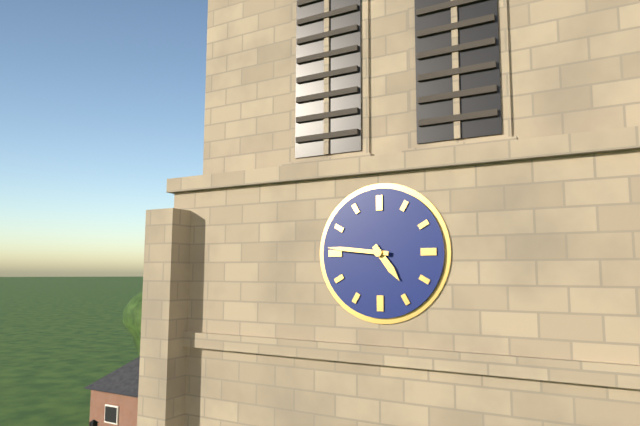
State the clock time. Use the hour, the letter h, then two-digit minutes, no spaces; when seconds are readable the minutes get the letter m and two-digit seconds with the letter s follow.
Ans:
4h46
